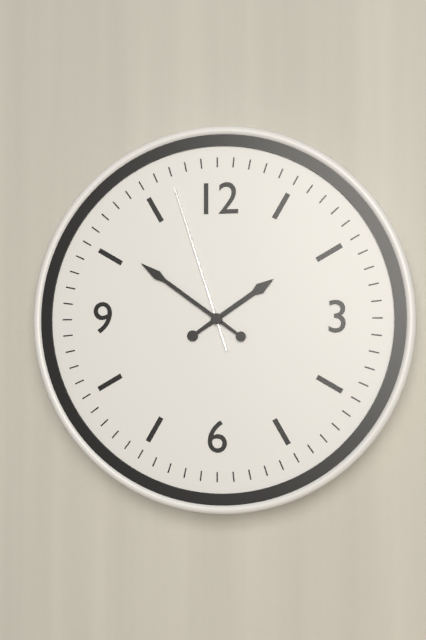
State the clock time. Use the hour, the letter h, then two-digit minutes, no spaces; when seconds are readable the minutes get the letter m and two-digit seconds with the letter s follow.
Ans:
1h51m57s
